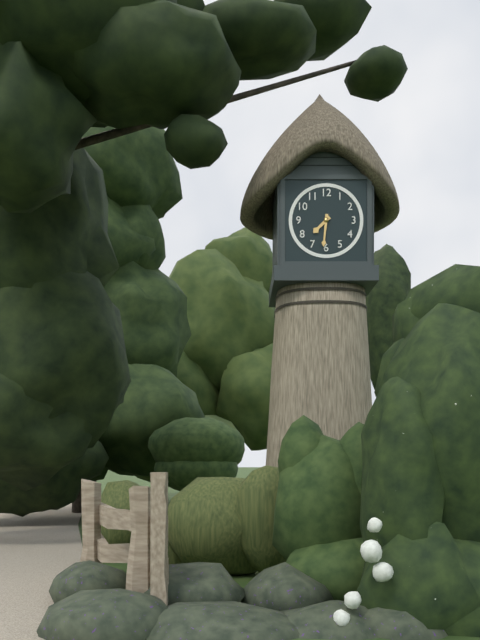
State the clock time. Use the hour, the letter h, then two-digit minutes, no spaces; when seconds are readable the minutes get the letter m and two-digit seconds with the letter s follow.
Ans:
7h31
